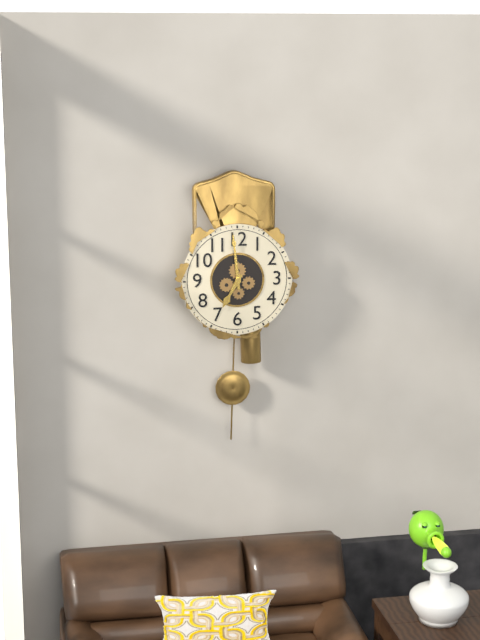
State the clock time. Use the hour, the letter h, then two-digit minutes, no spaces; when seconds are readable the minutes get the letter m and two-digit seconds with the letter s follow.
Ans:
6h59
